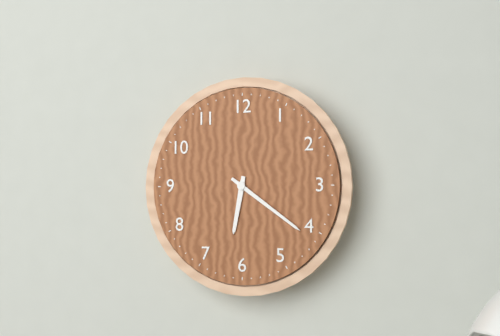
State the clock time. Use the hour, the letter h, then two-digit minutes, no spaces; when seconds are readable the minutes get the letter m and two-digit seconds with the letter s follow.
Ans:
6h21
